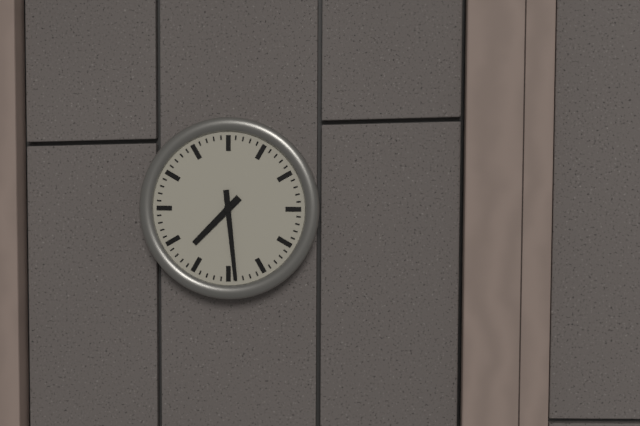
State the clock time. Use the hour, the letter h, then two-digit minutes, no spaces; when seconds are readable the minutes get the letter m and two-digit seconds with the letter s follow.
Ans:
7h29
